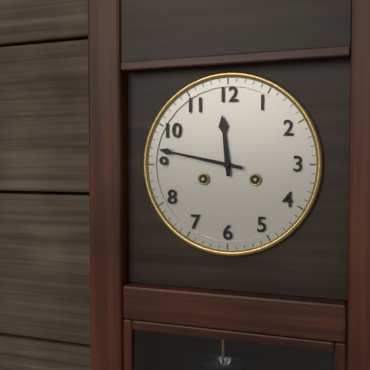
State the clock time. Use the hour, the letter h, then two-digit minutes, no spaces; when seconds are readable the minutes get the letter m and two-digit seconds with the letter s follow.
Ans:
11h47
